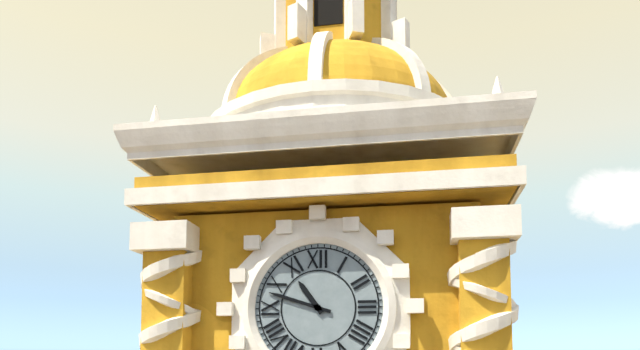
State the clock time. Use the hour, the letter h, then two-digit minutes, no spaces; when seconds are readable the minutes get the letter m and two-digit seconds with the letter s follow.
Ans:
10h48
